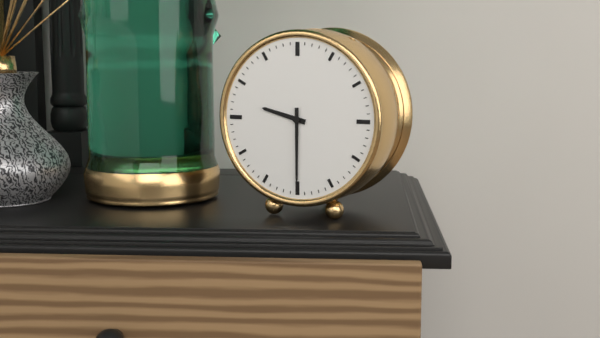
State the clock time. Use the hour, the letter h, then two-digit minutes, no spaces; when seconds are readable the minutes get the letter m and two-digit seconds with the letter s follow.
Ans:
9h30
